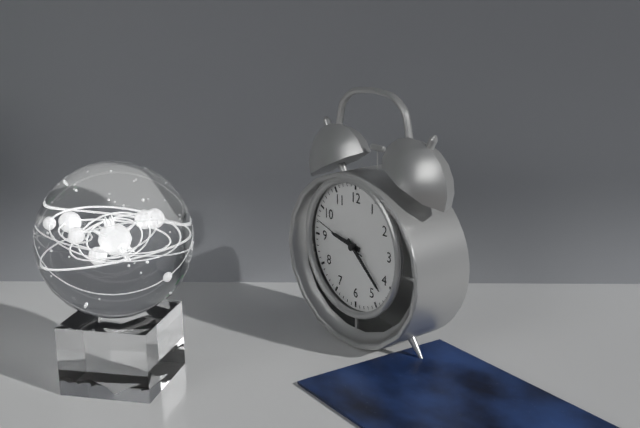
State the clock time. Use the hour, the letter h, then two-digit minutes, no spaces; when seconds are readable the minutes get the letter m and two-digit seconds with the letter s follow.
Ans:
9h22m48s
